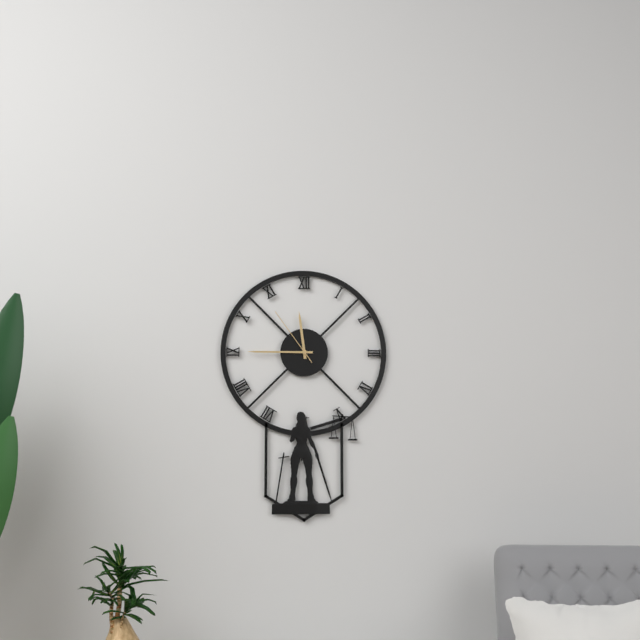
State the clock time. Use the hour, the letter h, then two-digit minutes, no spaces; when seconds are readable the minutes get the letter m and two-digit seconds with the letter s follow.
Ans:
11h45m54s
